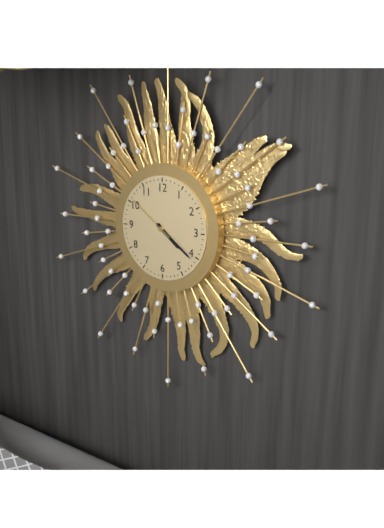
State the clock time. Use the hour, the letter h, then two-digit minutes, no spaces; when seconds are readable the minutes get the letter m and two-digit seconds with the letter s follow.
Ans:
4h21m51s
